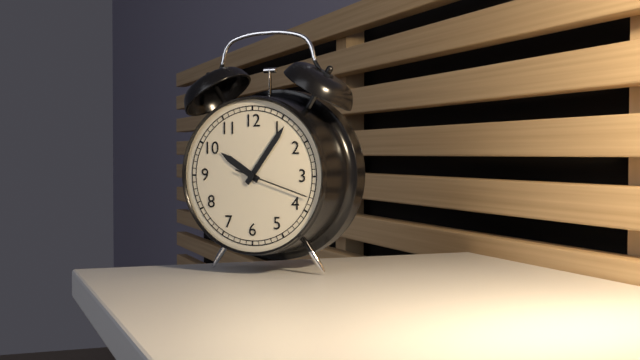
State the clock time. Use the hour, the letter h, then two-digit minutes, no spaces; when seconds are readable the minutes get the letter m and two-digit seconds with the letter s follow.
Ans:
10h06m18s
